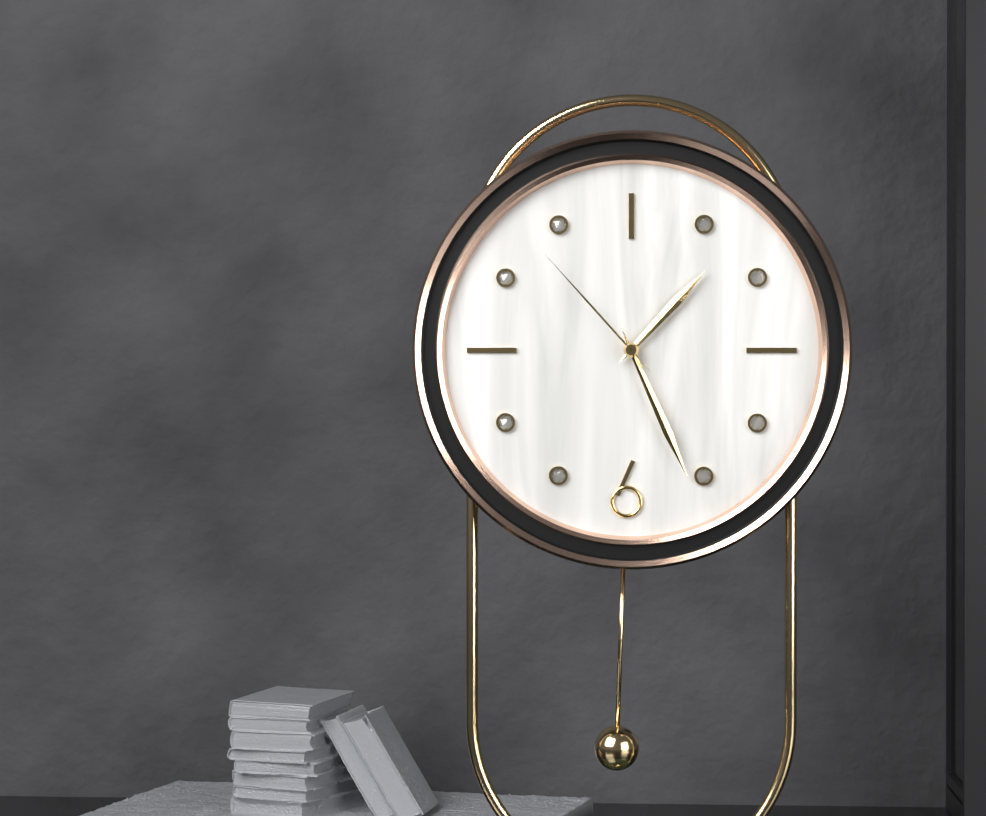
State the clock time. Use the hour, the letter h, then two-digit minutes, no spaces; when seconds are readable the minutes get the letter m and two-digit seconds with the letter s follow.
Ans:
1h26m53s
